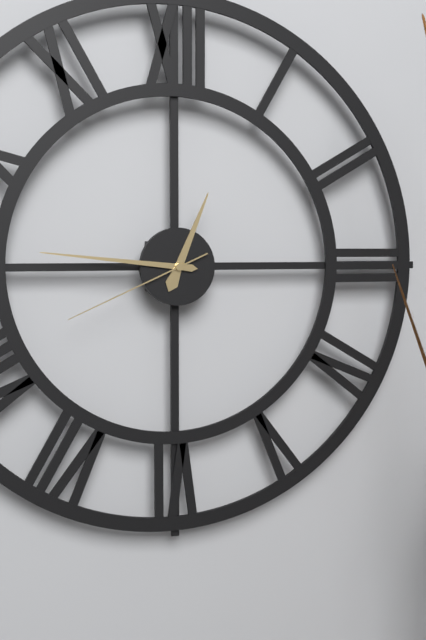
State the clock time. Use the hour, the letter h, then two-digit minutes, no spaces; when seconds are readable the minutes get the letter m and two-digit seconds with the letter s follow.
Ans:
12h46m41s
